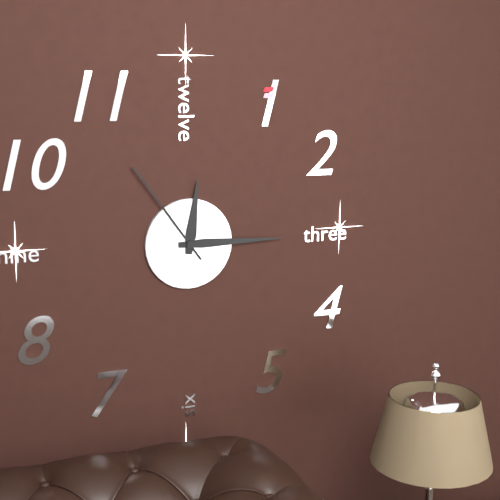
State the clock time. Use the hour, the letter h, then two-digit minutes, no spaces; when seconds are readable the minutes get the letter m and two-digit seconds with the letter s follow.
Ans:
12h15m54s
